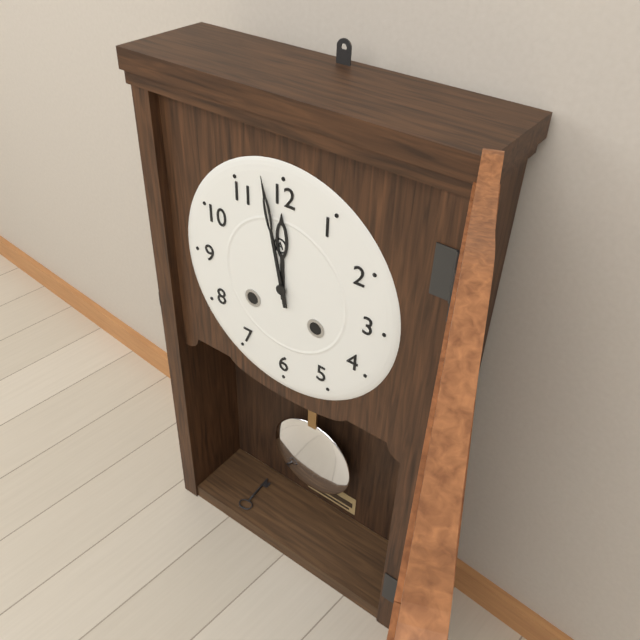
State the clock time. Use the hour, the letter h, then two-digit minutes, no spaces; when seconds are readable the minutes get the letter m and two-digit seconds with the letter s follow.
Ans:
11h58
